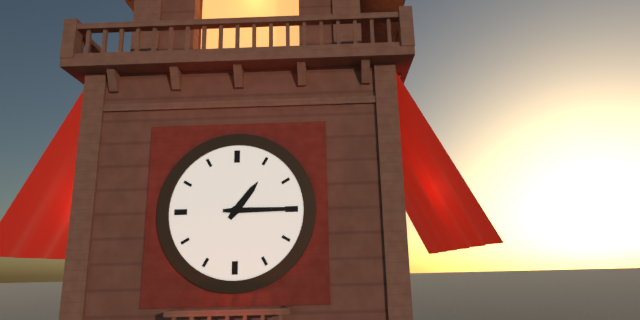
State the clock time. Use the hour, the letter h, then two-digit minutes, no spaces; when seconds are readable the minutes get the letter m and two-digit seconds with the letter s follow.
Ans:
1h15
